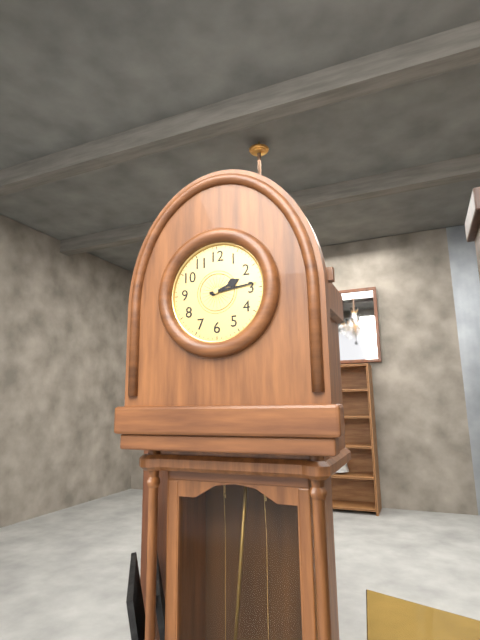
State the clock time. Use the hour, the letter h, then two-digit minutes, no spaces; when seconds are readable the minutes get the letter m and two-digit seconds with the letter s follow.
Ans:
2h14
